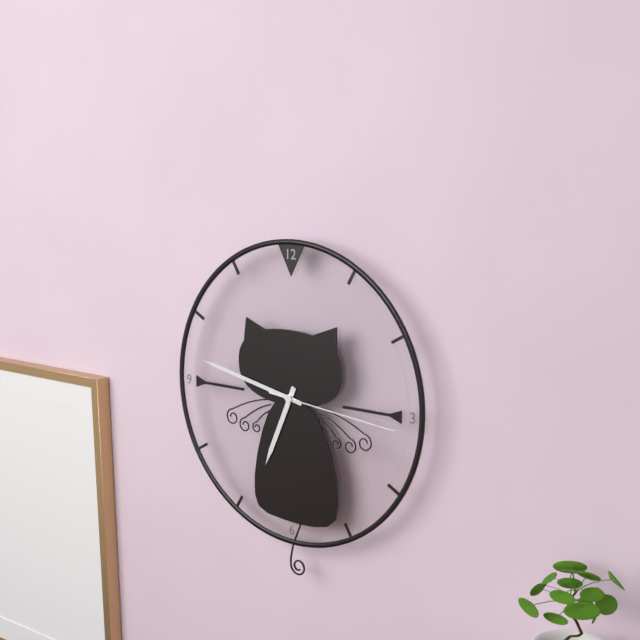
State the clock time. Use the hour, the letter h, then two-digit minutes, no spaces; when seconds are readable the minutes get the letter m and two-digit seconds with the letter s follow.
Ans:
6h47m16s
